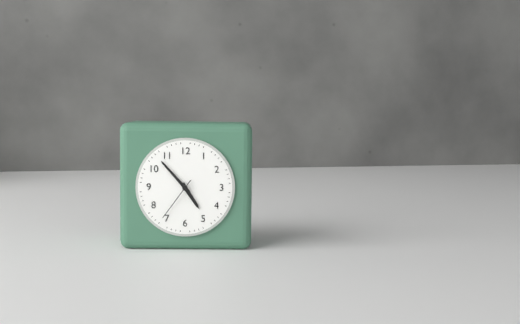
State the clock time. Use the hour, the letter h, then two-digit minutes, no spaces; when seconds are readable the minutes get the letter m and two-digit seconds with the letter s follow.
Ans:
4h53
